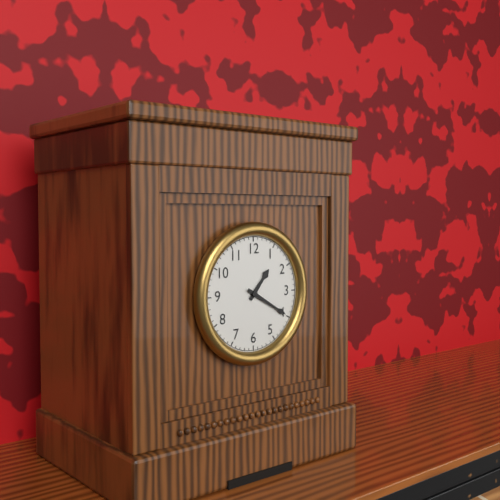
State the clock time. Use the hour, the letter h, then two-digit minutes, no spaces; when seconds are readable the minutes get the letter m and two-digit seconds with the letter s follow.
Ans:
1h20
